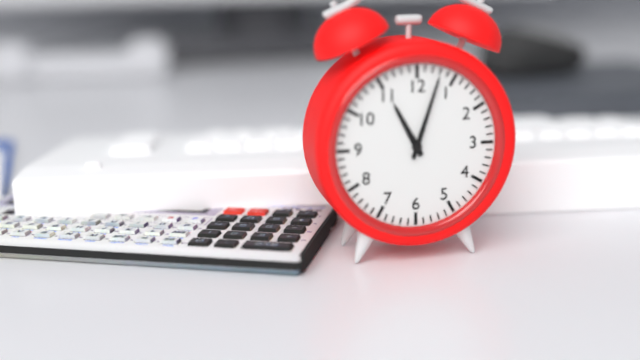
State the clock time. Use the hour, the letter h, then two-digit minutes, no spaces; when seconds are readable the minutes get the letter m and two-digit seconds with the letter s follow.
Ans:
11h03
